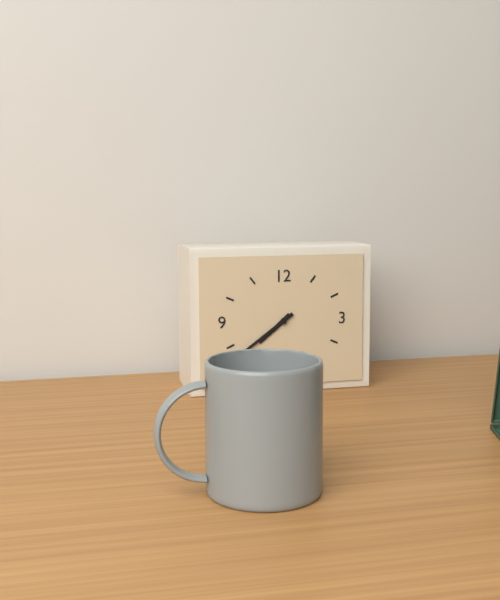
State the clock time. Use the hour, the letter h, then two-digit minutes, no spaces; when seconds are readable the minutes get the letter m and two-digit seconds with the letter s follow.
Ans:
7h39
